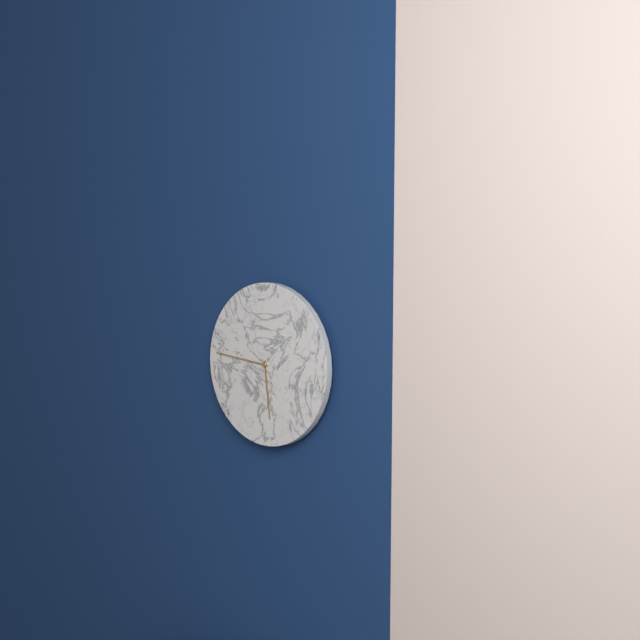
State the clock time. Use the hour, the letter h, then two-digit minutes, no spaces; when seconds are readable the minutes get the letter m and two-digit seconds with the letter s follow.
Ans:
5h46
